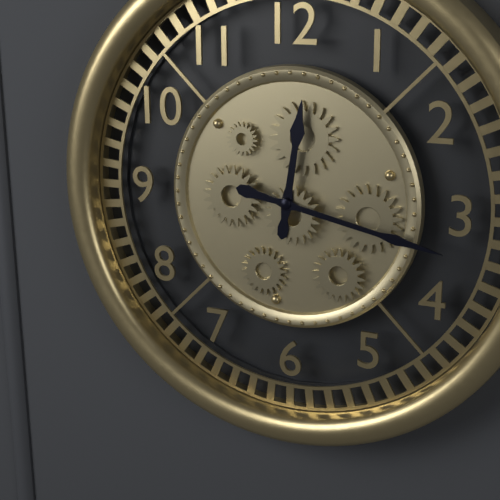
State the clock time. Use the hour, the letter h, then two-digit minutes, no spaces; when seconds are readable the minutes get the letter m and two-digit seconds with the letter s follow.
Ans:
12h17
